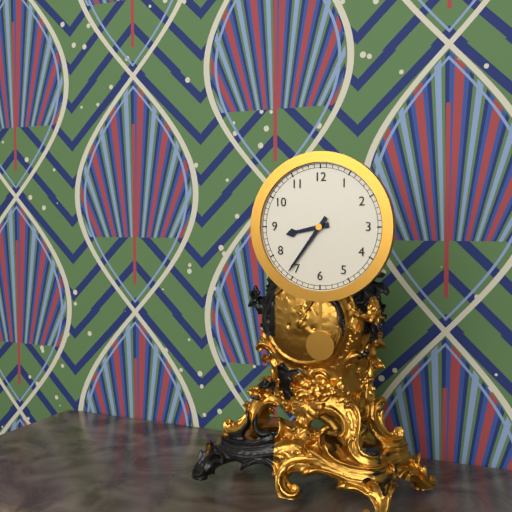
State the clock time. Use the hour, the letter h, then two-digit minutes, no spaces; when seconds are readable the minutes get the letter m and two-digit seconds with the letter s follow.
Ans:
8h36
